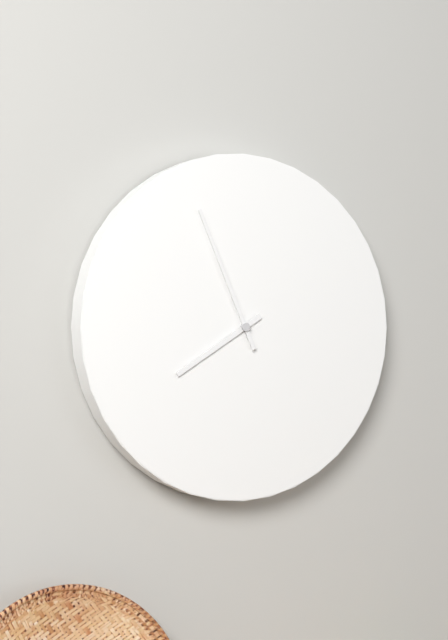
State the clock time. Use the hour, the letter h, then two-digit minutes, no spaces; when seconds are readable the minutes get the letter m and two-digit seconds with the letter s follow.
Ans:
7h56
